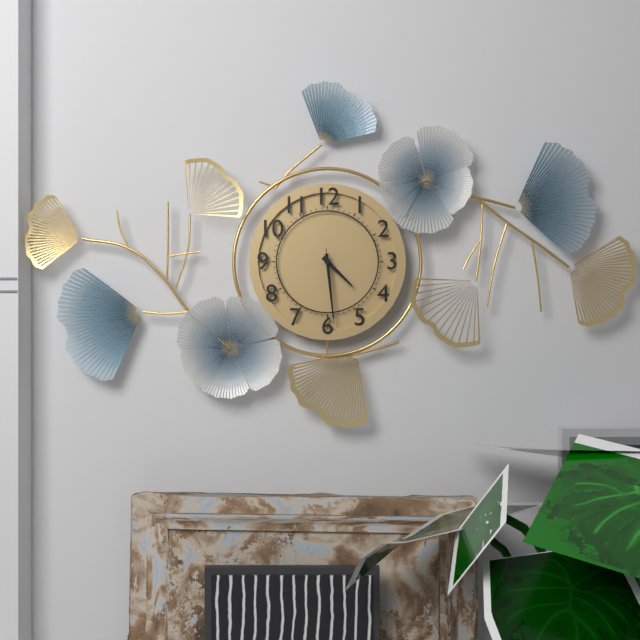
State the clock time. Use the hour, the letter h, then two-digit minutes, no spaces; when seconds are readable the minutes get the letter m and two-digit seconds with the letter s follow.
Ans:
4h29m29s
